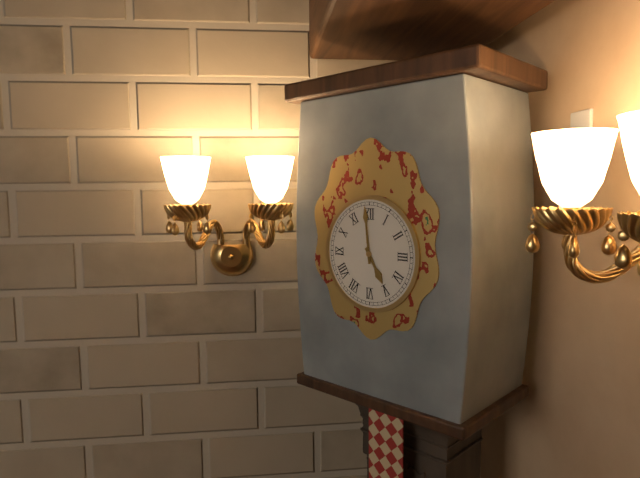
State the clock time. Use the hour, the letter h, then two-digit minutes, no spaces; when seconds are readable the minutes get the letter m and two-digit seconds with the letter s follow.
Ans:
4h59
